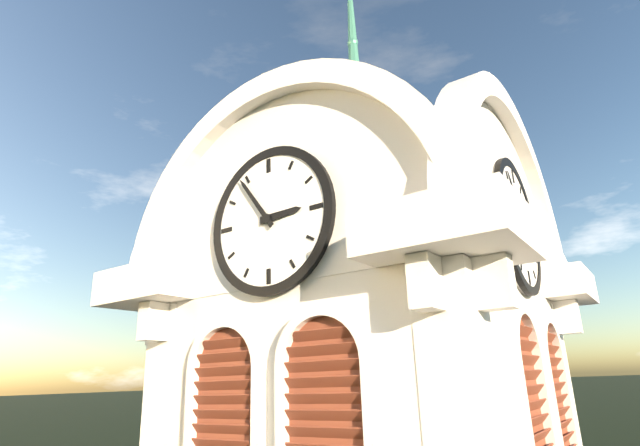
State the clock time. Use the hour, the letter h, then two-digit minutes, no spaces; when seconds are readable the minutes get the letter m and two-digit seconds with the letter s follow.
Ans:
2h54
